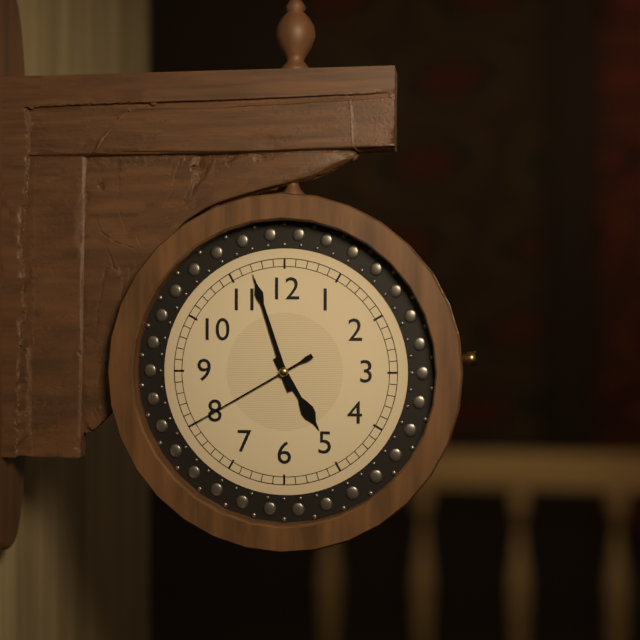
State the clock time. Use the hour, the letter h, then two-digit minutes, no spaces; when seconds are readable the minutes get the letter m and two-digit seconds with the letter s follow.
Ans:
4h57m40s
